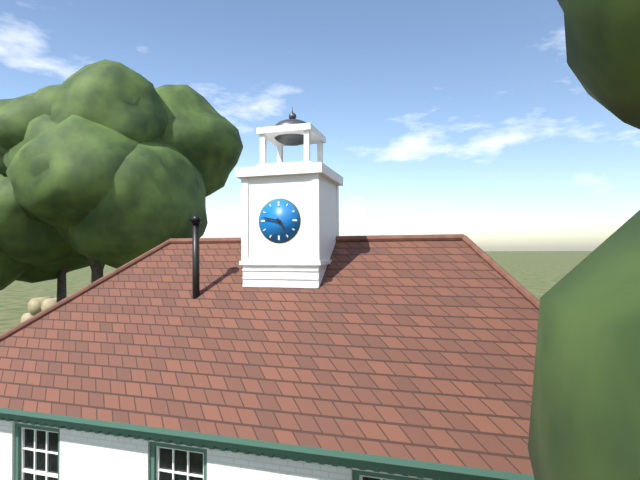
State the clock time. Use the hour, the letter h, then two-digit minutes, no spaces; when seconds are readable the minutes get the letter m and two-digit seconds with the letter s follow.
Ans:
4h47
